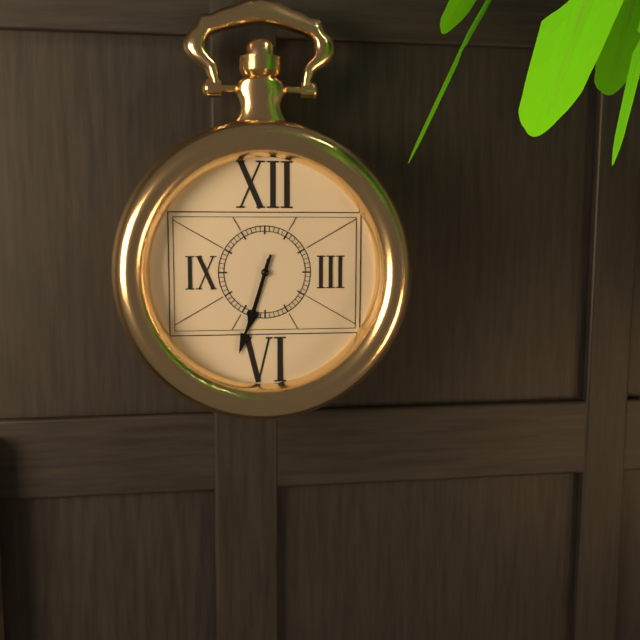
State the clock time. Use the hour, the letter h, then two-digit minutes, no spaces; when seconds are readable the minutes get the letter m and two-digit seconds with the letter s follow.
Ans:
6h33
